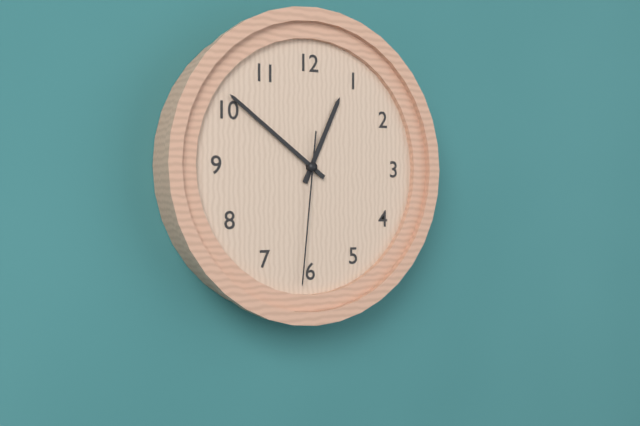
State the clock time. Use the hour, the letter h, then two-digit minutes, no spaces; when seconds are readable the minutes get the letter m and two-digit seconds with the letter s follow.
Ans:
12h51m31s
